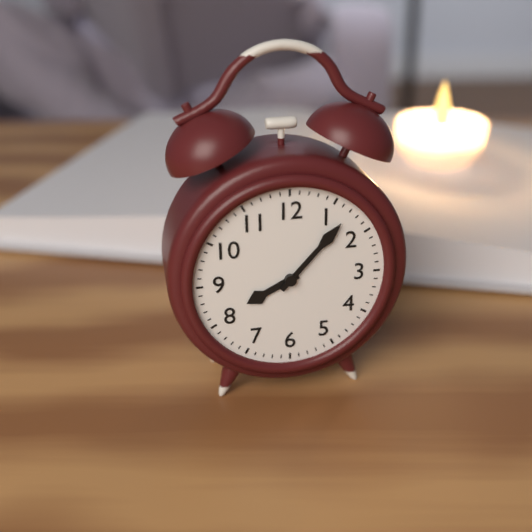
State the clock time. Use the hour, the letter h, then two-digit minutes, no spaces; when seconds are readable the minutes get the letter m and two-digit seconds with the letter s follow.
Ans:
8h07
